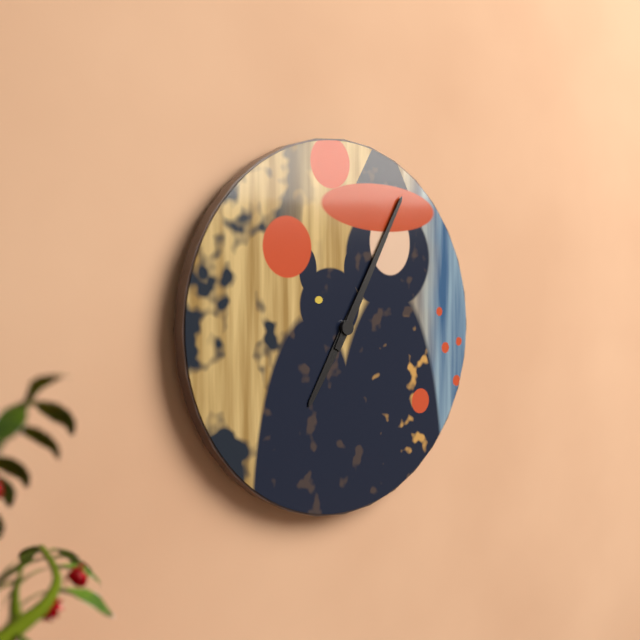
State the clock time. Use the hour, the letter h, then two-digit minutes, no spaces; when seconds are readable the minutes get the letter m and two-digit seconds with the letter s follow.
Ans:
7h05
